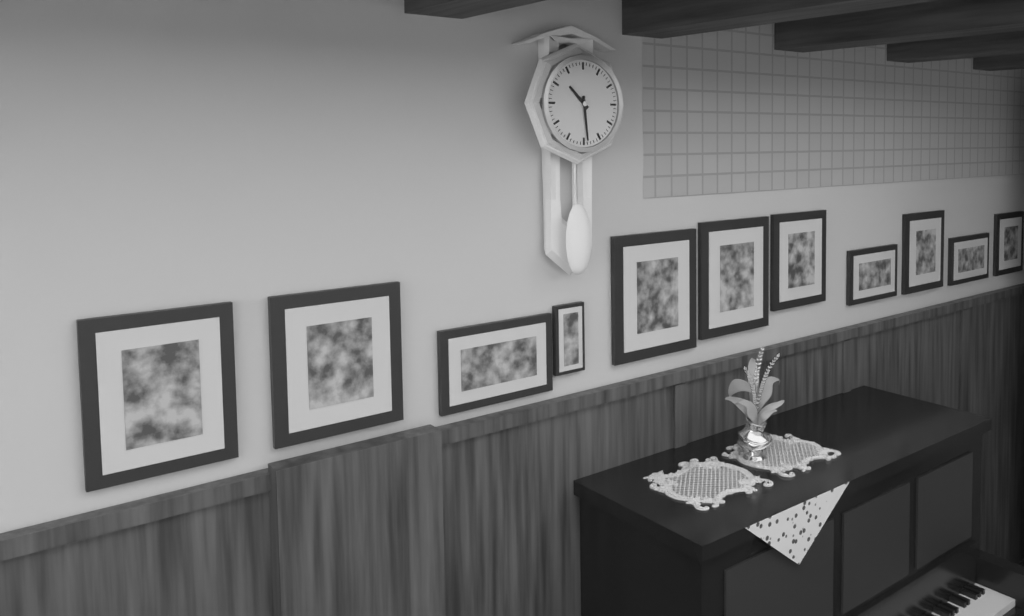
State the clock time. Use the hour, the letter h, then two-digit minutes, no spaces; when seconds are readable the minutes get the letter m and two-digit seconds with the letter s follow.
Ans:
10h29
